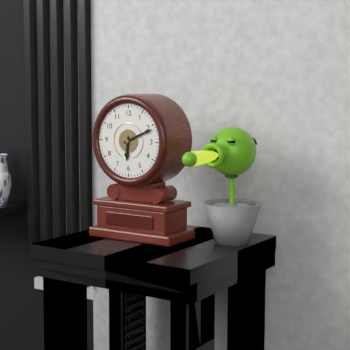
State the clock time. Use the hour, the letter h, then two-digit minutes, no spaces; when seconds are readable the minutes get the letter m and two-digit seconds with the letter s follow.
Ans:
6h11
